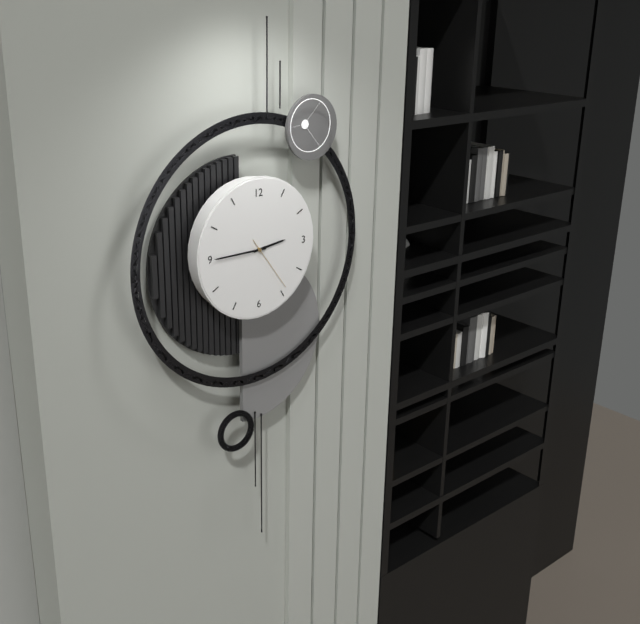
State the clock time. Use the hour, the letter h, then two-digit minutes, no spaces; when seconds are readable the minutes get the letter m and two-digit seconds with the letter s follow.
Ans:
2h45m24s
